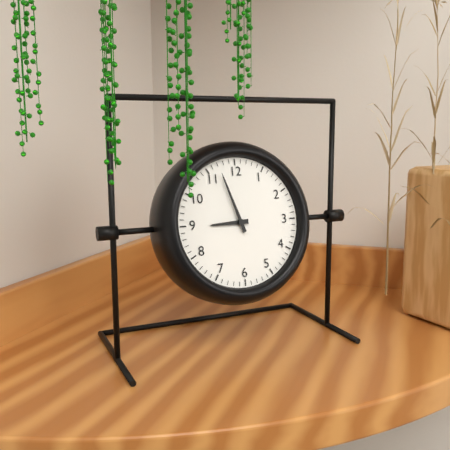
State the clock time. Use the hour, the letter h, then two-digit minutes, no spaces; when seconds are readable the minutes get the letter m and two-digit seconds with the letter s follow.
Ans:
8h57
